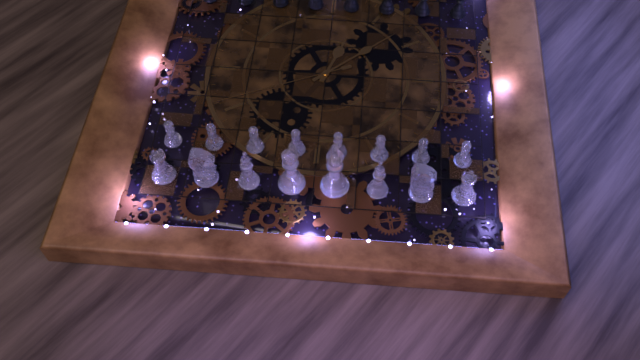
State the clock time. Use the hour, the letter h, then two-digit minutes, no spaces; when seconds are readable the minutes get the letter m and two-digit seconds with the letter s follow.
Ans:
6h38m11s
